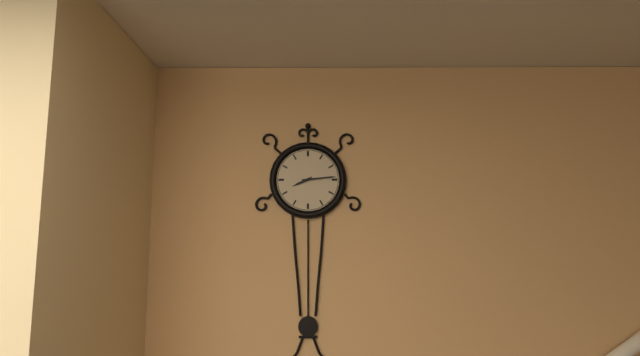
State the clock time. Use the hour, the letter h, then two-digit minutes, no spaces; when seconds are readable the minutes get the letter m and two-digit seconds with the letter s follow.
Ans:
8h14
